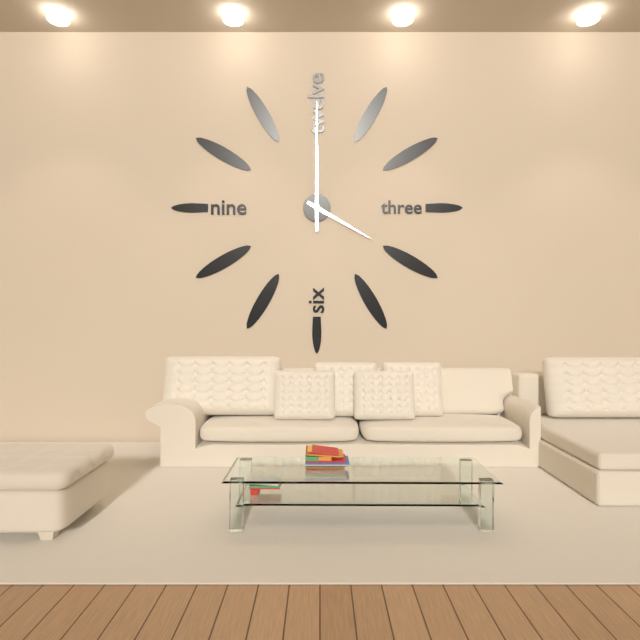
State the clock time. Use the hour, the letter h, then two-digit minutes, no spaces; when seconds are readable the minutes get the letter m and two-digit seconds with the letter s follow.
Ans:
4h00
